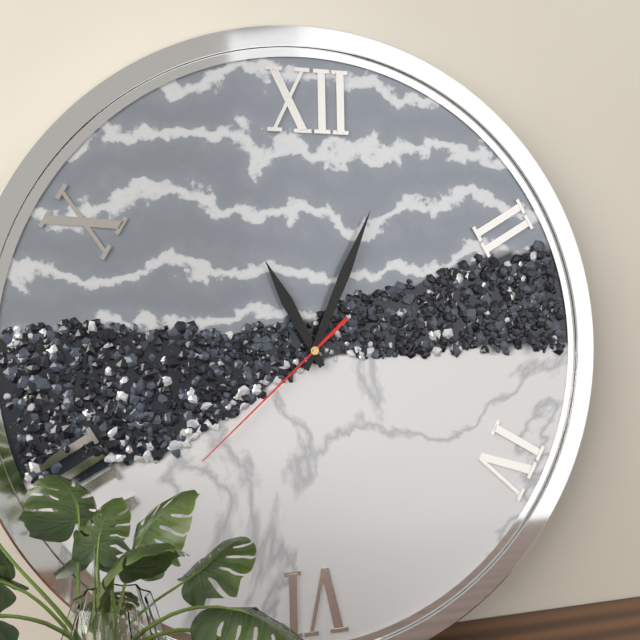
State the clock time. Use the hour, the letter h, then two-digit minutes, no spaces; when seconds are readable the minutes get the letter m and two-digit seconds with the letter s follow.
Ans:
11h04m38s
